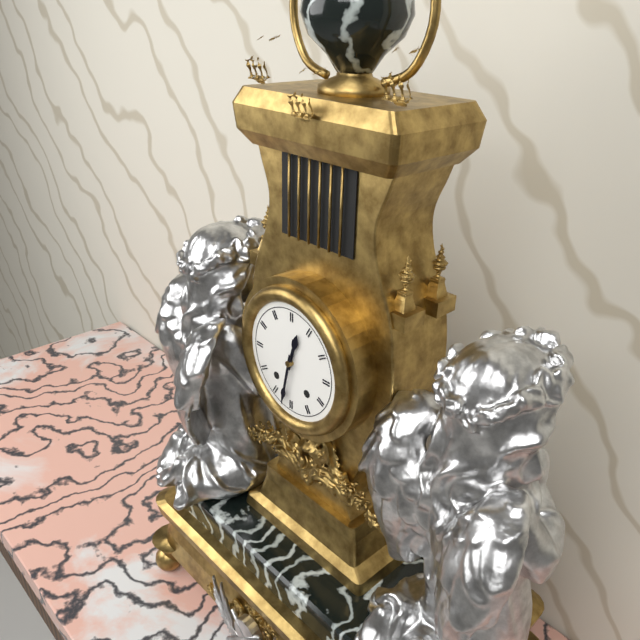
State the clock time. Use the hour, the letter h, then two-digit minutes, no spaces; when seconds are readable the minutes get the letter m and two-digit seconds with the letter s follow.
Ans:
12h32
